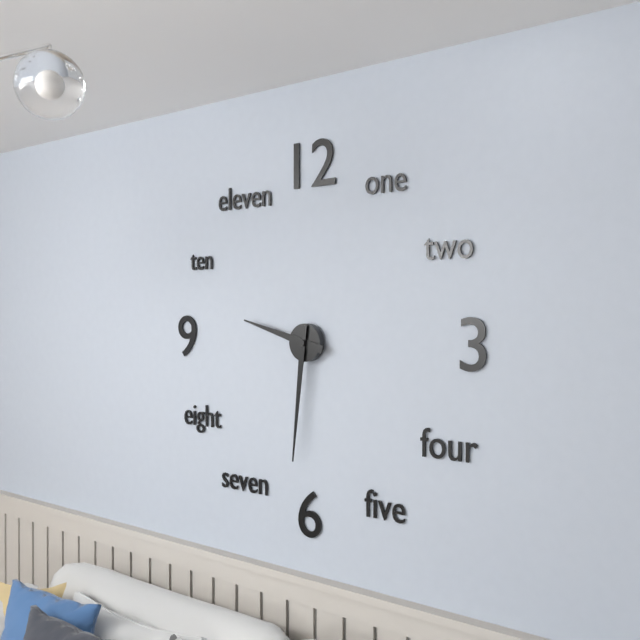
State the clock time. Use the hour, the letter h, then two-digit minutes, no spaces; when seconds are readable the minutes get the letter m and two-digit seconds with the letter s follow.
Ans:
9h31
